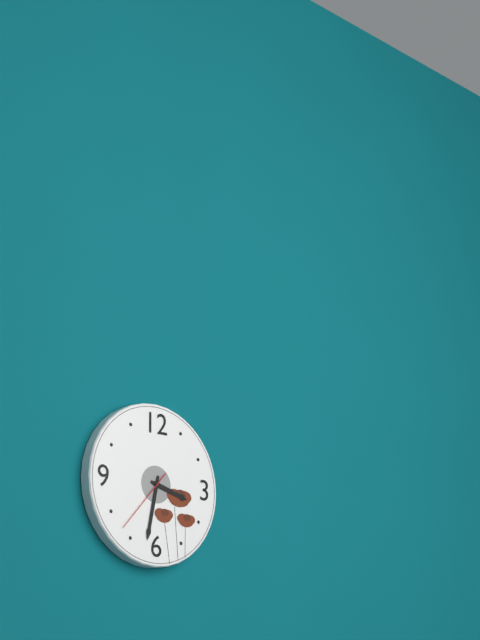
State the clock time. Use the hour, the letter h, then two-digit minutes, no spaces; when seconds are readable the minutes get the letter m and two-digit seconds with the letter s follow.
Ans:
3h32m37s
